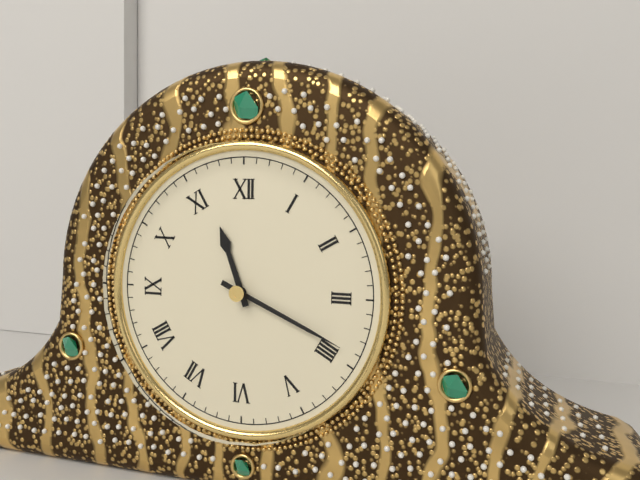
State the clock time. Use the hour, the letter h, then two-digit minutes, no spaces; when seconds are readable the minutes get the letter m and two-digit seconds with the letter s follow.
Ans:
11h19
